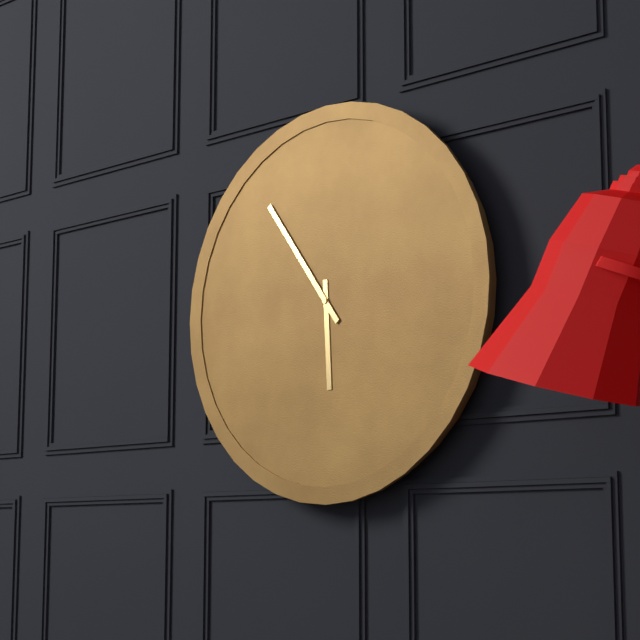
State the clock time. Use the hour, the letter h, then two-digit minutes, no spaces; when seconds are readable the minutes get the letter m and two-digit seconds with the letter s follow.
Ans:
5h54
